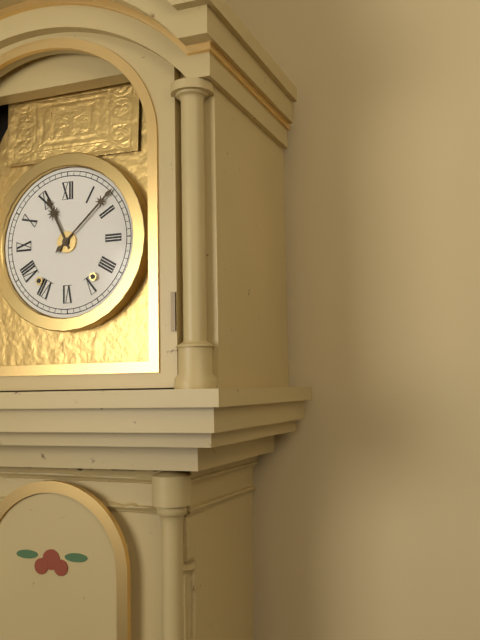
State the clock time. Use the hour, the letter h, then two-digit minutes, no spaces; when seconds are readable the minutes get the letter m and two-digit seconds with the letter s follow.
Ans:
11h08
